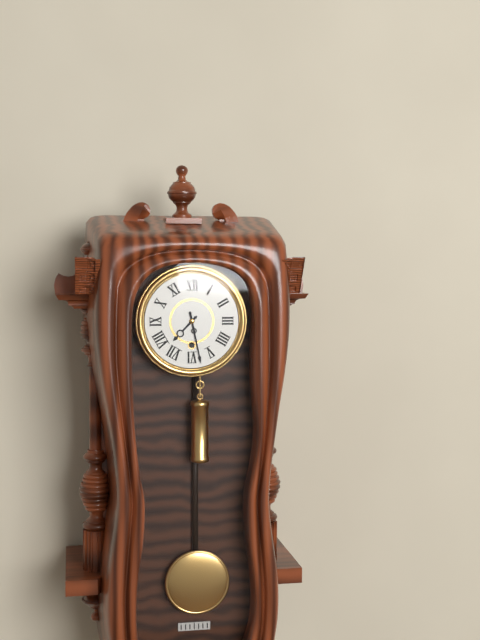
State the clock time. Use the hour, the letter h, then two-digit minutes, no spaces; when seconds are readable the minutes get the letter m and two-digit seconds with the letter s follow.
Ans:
7h28
